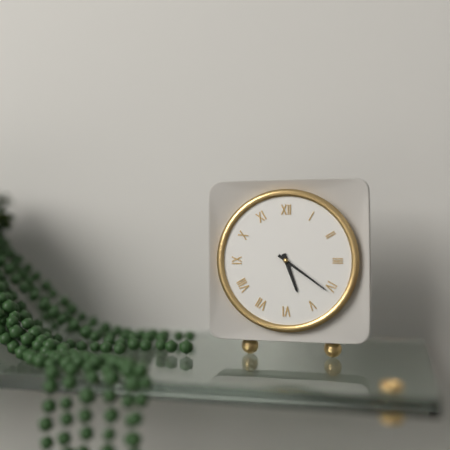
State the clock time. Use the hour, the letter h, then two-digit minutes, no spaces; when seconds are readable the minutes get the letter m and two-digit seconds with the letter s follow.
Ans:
5h21
